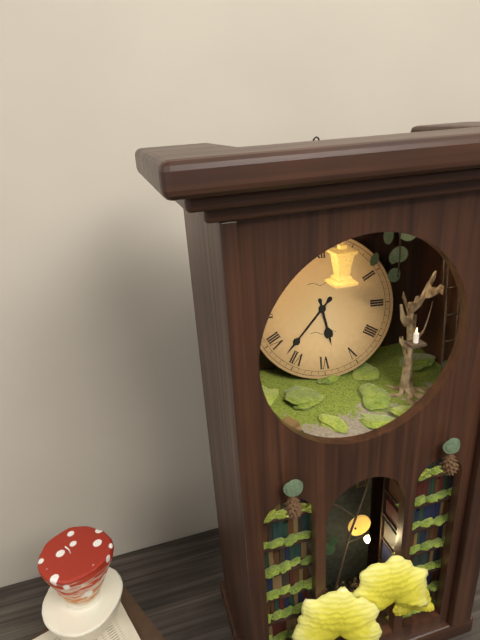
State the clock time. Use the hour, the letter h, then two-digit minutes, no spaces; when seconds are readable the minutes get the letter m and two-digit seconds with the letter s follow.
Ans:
5h37
